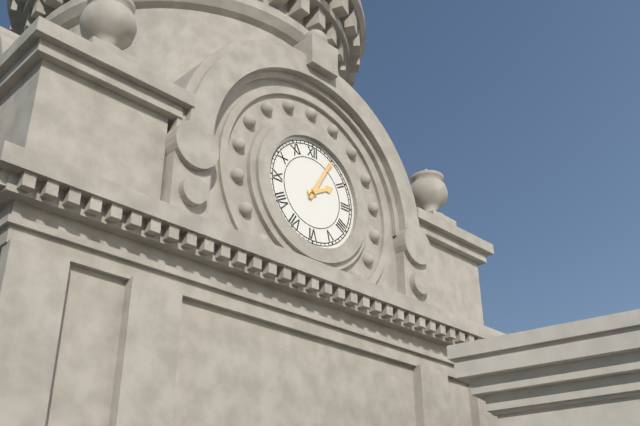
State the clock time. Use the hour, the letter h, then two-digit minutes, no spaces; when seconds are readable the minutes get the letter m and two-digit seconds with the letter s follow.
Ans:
2h05
